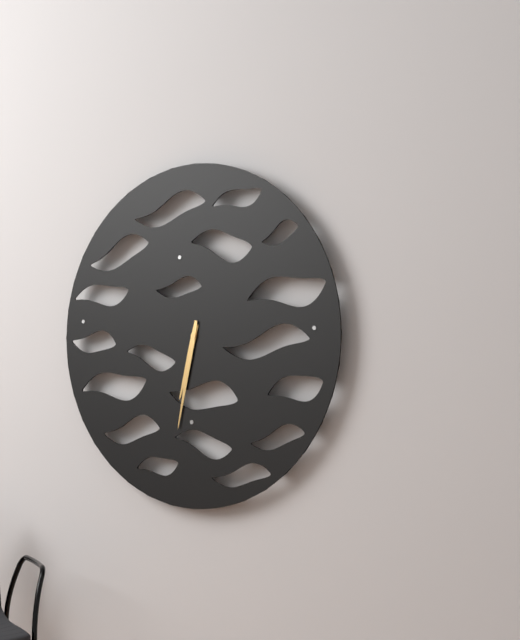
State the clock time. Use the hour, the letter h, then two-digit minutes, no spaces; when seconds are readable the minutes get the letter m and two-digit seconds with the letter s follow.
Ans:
6h32
